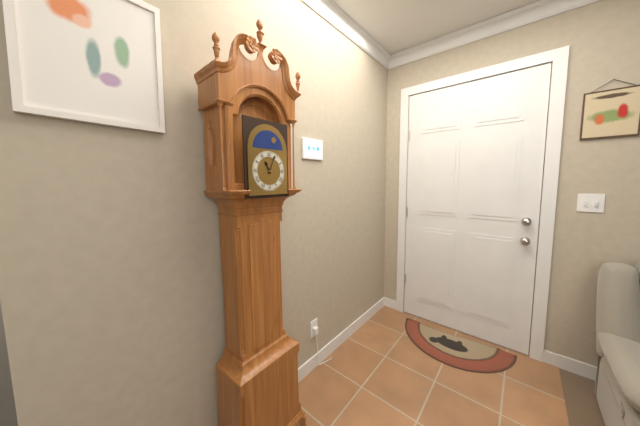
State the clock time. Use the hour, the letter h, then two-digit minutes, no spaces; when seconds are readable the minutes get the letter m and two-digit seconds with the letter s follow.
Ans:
11h04
